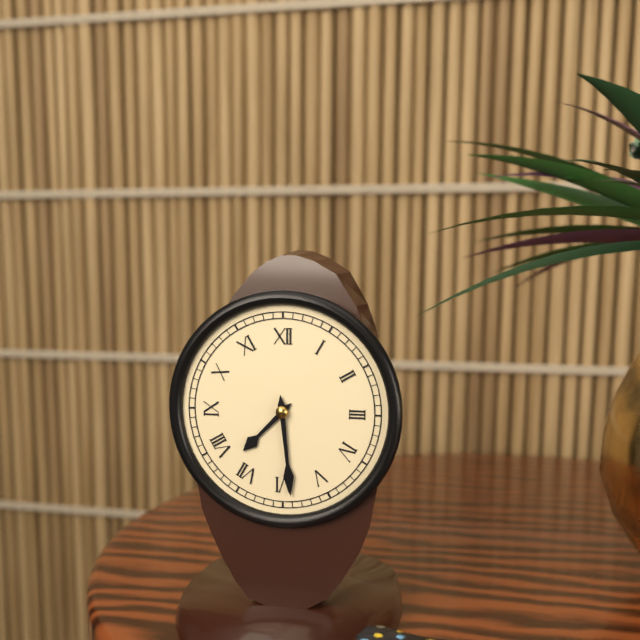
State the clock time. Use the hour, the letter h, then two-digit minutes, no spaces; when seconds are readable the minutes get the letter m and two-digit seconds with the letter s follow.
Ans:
7h29
